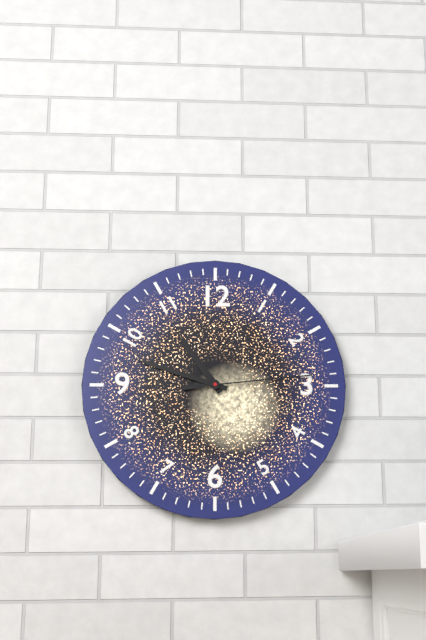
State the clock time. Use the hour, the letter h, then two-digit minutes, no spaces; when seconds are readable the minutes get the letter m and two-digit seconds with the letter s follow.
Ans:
10h48m14s
